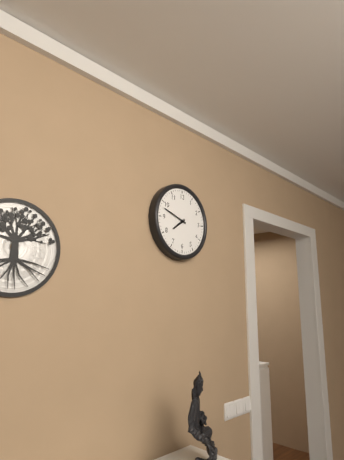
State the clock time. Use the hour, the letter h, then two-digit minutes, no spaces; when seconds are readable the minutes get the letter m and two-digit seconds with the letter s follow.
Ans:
7h48
